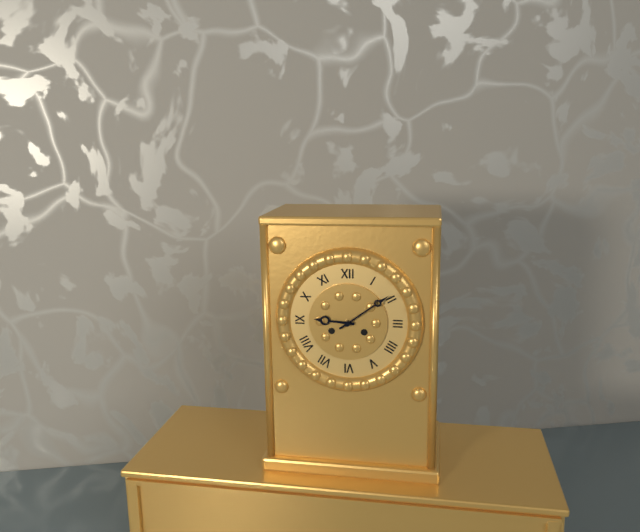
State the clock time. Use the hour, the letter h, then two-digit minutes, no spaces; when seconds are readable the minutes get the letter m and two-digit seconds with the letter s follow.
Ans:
9h09
